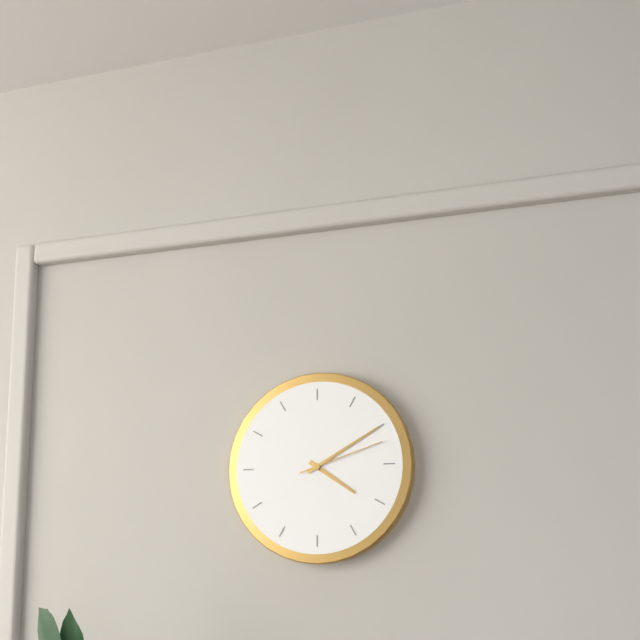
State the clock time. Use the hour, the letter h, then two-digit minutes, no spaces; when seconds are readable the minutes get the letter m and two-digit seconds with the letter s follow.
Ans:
4h10m12s
